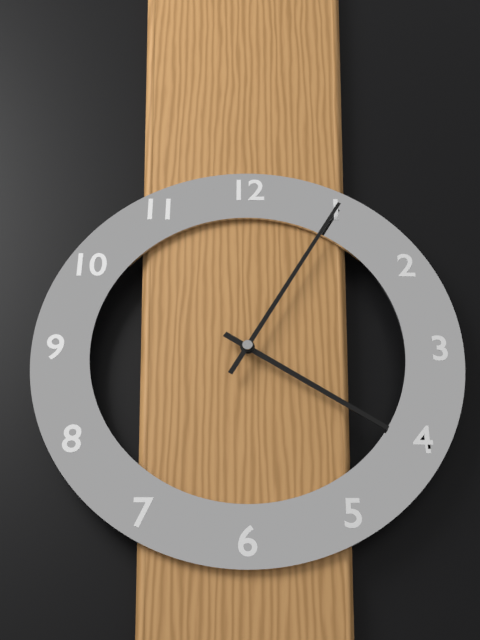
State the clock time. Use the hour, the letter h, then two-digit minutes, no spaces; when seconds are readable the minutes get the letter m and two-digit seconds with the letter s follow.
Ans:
4h05
